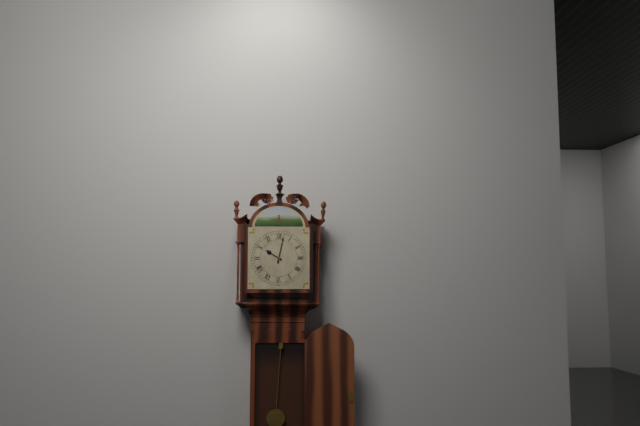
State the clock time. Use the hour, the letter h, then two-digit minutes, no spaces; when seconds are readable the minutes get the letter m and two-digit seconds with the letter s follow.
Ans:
10h02
